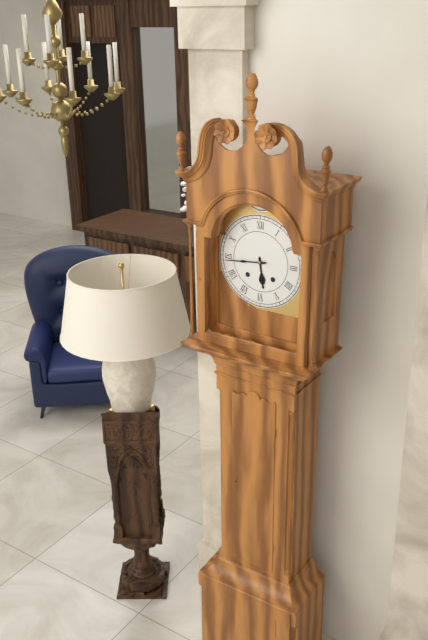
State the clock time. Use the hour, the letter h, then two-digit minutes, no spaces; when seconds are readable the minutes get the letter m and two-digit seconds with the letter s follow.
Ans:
5h44
